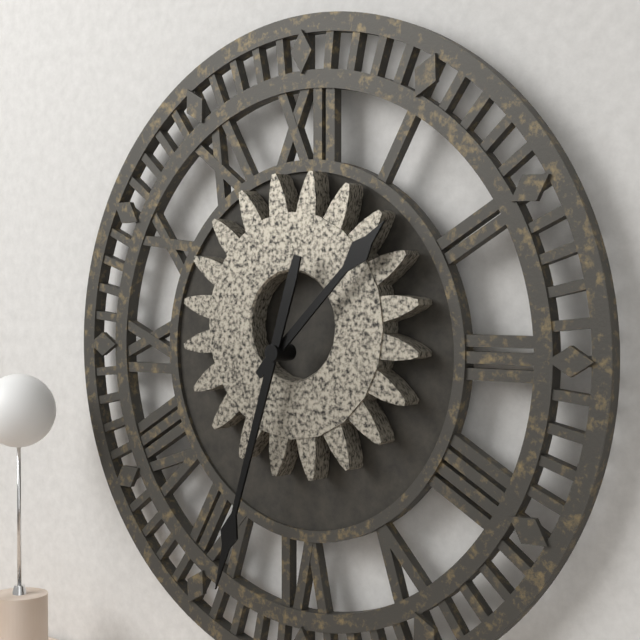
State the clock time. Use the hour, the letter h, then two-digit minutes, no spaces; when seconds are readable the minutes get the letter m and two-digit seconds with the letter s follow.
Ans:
1h33
